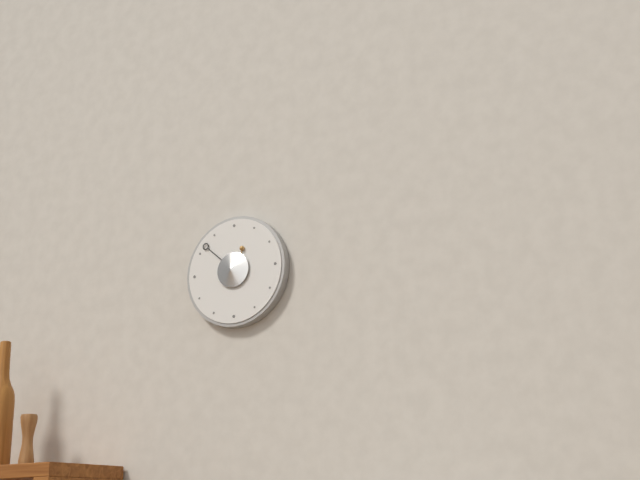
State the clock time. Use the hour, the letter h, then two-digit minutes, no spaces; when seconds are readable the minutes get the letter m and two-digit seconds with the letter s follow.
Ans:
12h52
